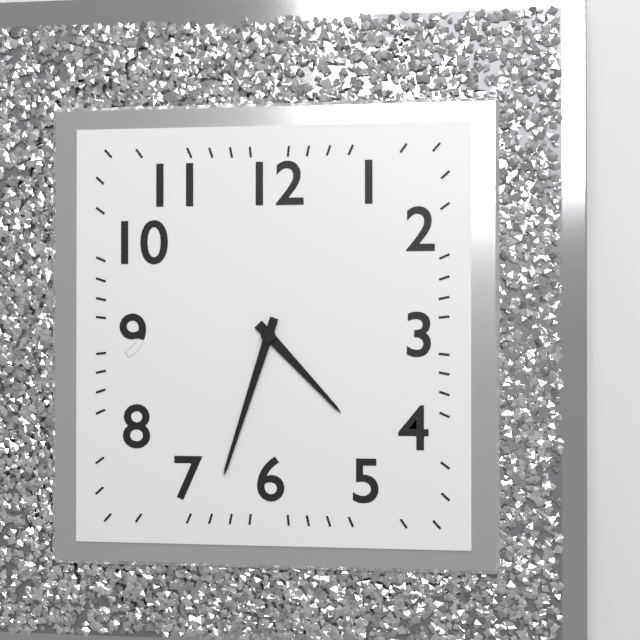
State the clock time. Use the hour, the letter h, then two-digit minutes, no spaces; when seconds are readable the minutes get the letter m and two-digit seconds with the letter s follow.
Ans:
4h33
